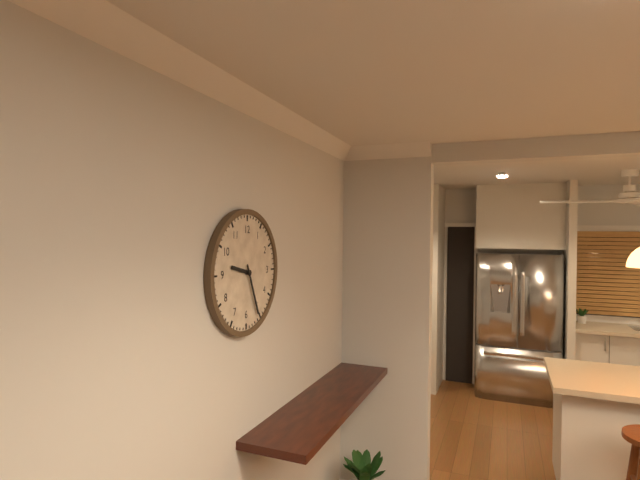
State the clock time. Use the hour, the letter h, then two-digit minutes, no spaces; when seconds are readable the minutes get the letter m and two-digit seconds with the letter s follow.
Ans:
9h26
